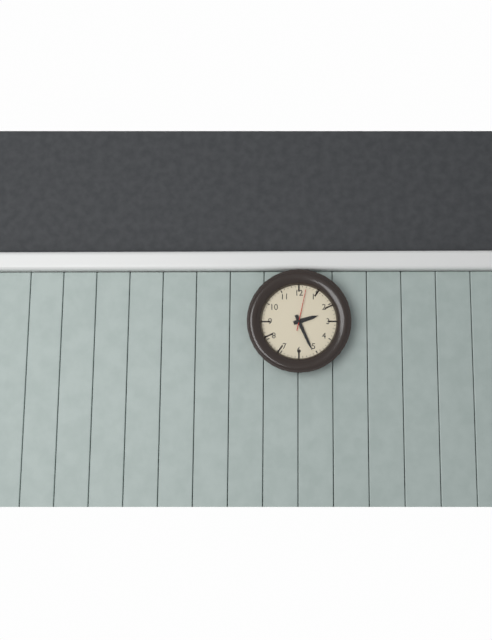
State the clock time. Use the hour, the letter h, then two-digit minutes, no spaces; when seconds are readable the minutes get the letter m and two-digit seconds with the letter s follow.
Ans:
2h26
